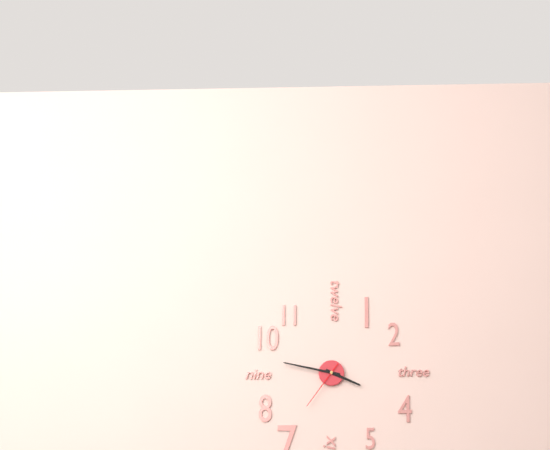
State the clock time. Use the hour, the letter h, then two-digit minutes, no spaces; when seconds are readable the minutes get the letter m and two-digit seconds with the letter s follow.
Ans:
3h47m36s
